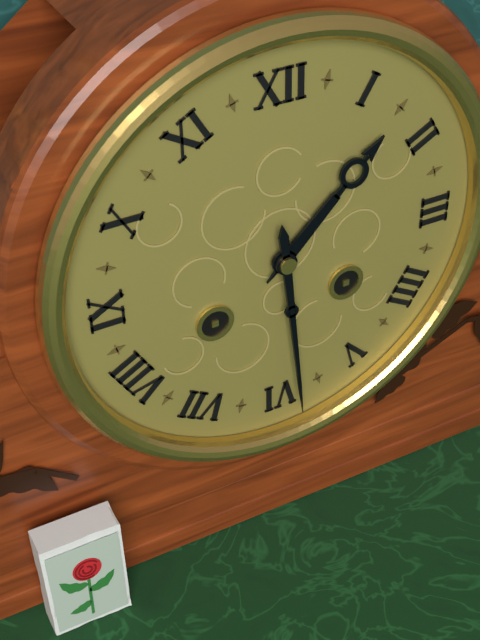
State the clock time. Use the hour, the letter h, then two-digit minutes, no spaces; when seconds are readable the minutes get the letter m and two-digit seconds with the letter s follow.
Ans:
1h29
